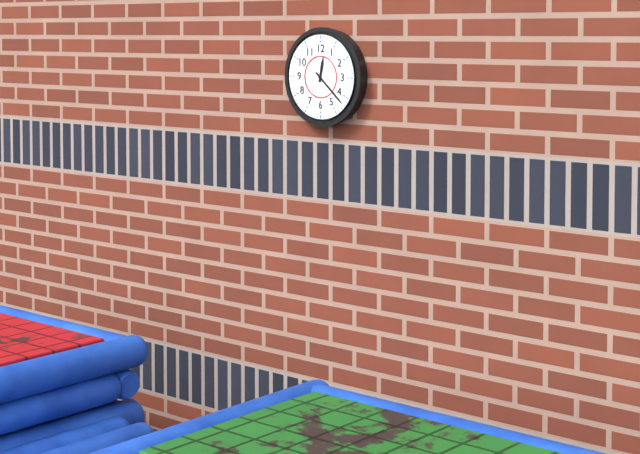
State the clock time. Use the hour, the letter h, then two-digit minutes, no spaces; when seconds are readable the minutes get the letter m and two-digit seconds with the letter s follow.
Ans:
12h22
